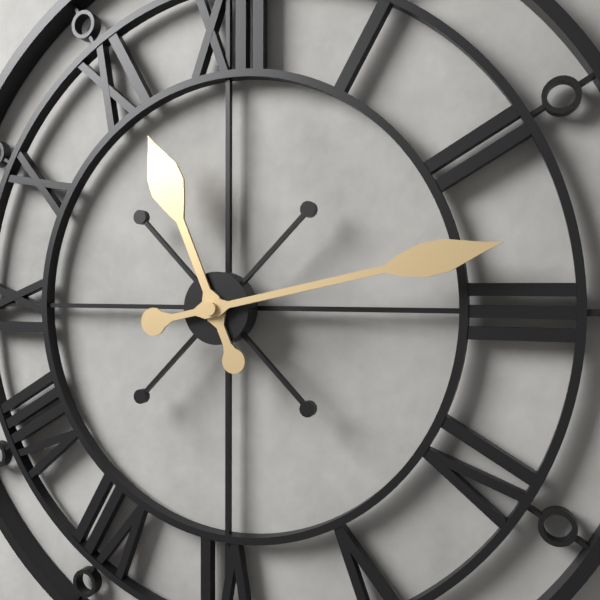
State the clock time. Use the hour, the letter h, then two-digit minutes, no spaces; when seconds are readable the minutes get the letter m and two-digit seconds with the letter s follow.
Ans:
11h13
